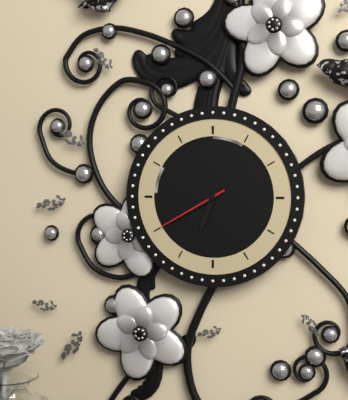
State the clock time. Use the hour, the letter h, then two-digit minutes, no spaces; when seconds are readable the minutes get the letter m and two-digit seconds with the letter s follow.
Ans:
6h40m40s
